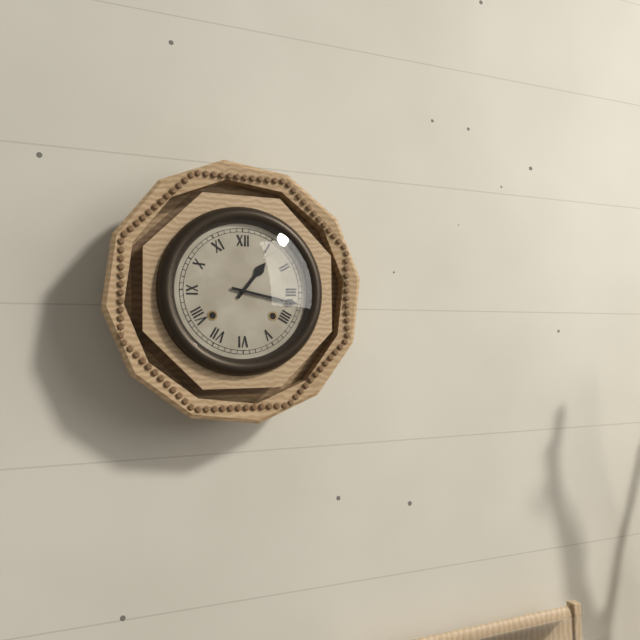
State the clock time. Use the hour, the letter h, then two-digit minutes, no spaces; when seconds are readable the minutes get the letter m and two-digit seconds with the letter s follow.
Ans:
1h17
